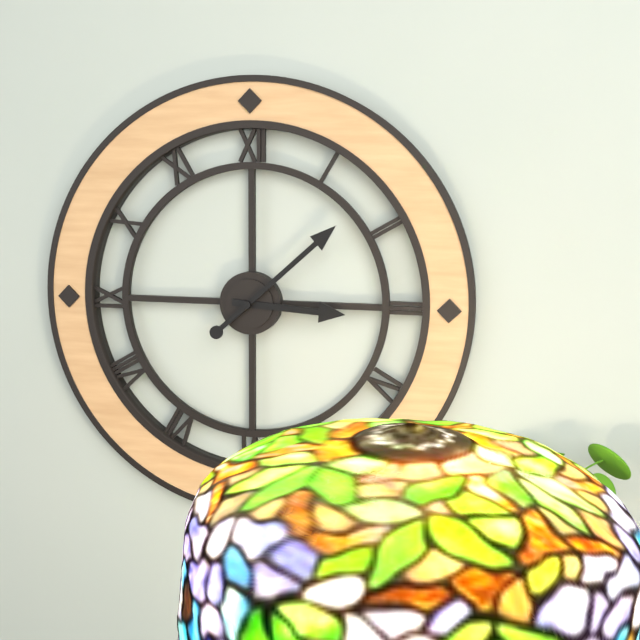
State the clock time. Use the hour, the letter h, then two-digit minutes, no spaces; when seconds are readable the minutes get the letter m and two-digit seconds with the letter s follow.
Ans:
3h08
